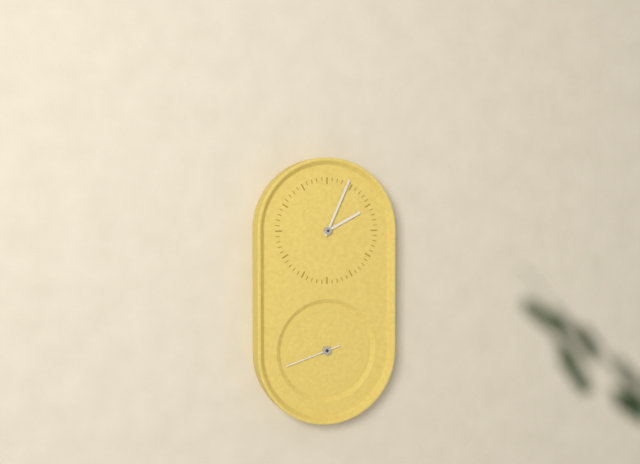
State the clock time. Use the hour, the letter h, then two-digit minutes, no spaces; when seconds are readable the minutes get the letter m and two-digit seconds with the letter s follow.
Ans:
2h04m42s
